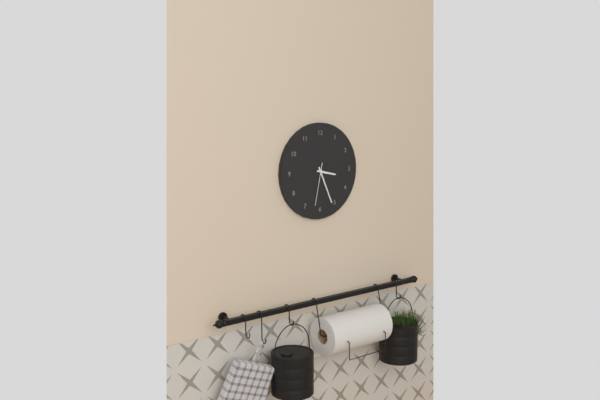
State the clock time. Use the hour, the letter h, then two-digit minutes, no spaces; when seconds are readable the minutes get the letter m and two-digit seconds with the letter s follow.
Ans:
3h26
